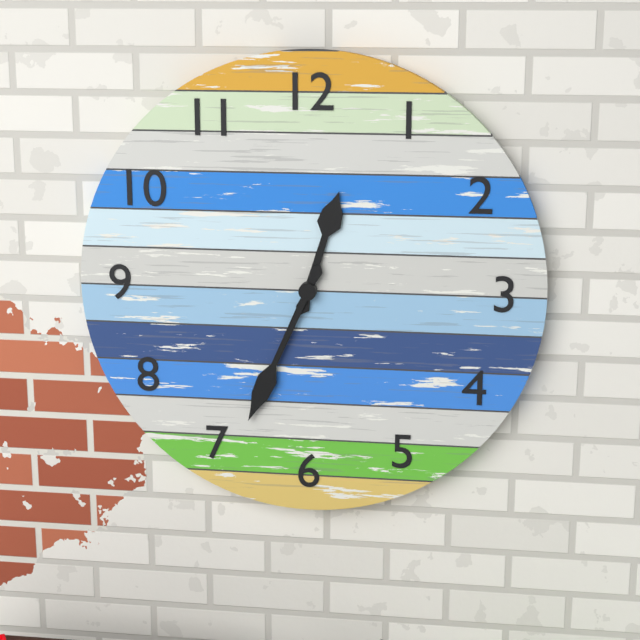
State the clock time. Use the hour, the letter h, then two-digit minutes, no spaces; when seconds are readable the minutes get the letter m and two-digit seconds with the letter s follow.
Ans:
12h34
